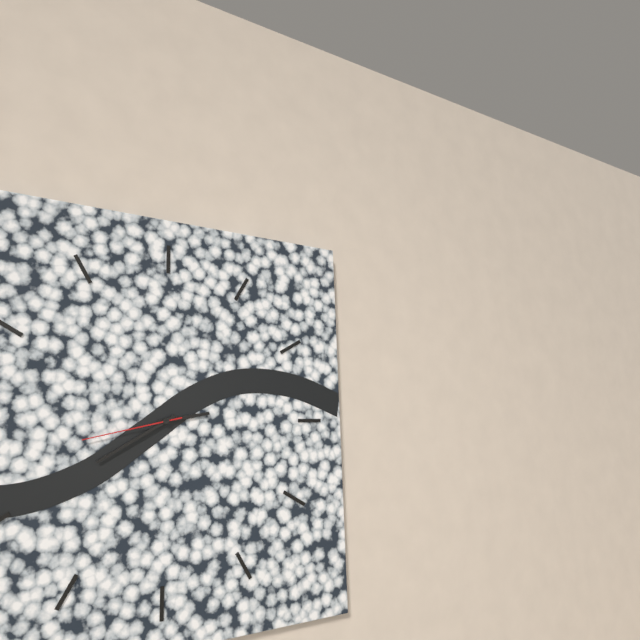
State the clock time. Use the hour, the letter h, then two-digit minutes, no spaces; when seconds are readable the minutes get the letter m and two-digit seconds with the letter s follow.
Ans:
2h40m43s
